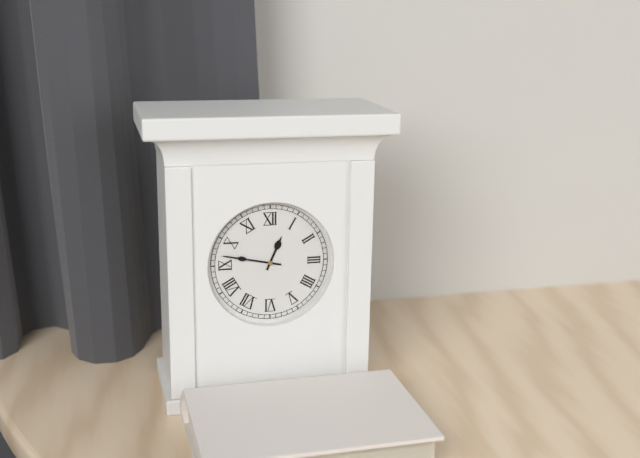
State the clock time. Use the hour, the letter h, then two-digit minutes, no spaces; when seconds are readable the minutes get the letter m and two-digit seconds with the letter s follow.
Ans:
12h47
